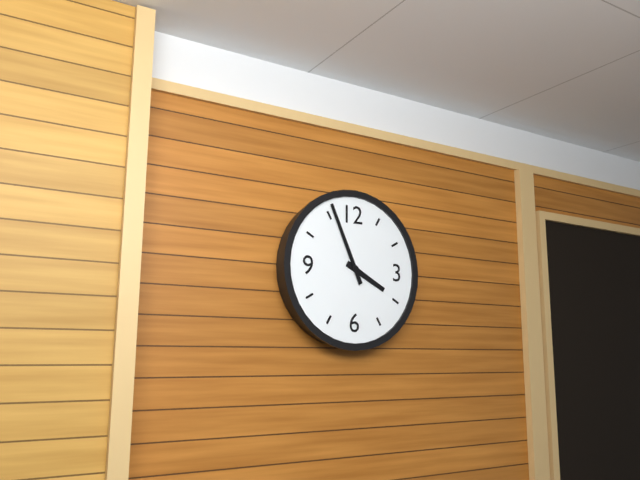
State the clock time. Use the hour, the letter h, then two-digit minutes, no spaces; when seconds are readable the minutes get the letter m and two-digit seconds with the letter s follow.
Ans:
3h56
